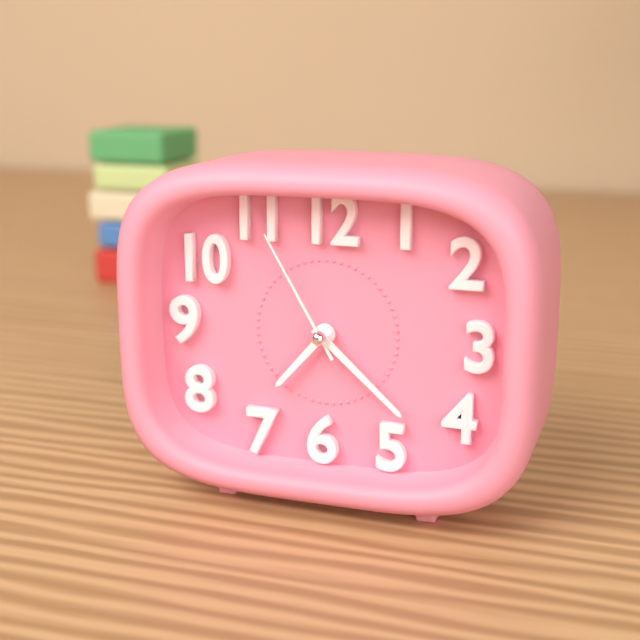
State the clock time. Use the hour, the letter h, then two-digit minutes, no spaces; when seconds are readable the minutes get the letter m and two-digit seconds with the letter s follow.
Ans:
7h22m55s
